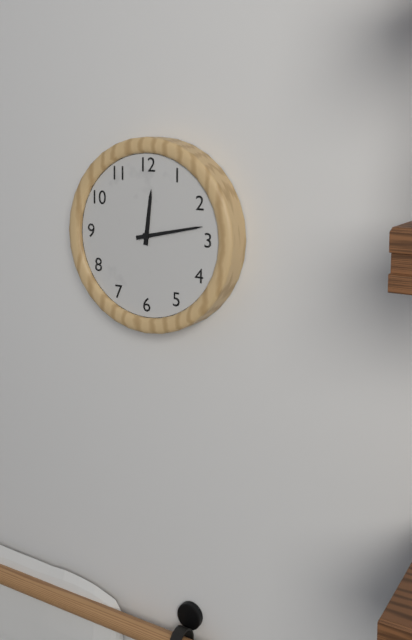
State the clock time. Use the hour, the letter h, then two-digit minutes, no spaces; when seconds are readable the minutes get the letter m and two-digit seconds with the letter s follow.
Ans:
12h13
